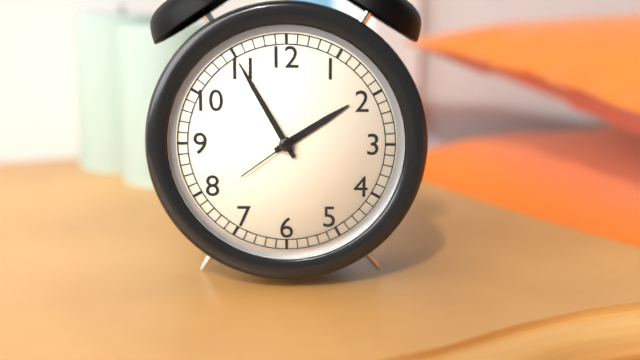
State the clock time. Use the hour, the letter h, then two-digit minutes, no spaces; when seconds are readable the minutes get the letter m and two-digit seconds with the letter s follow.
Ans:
1h55m39s
